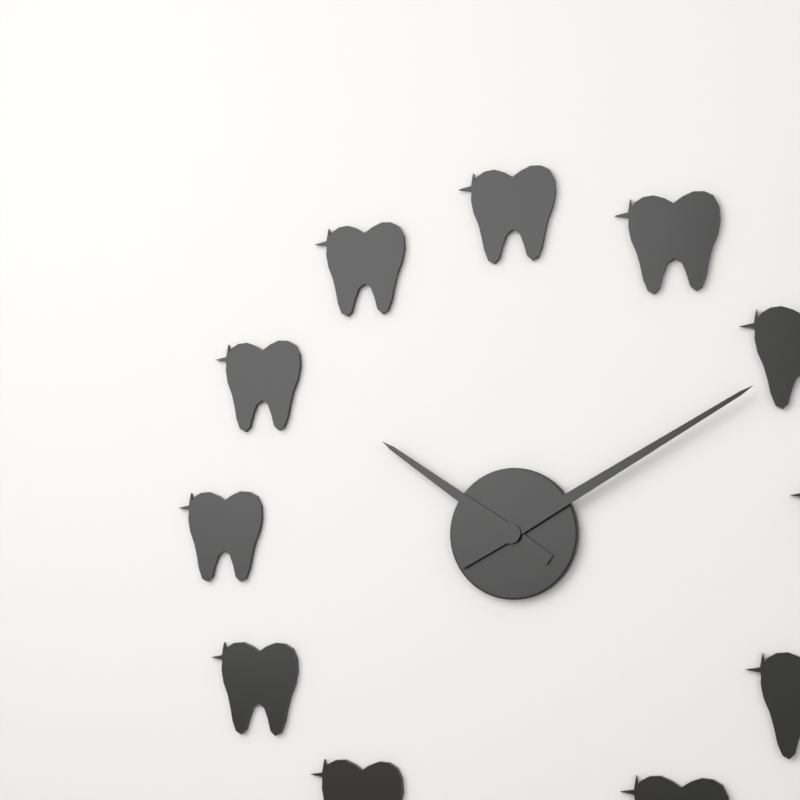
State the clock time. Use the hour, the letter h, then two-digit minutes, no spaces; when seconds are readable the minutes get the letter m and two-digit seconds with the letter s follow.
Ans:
10h10
